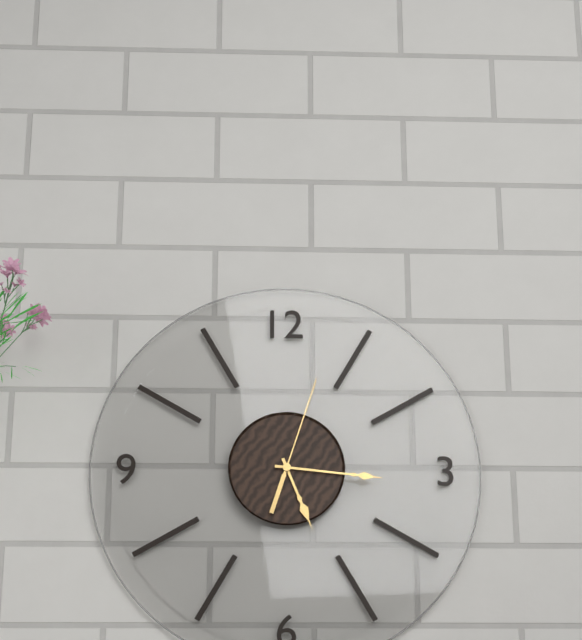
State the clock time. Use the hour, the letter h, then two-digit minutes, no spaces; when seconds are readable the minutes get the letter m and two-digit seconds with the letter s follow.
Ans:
5h16m03s
